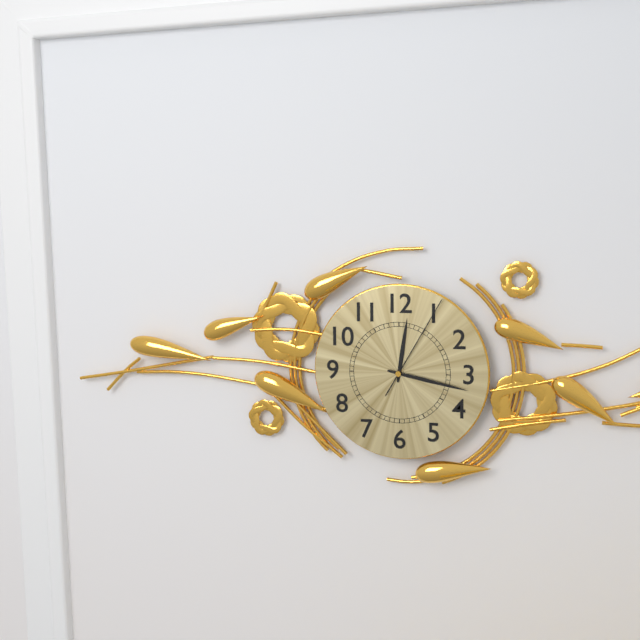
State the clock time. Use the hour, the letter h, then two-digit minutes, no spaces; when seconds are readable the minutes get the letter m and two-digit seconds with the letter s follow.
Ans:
12h17m05s
